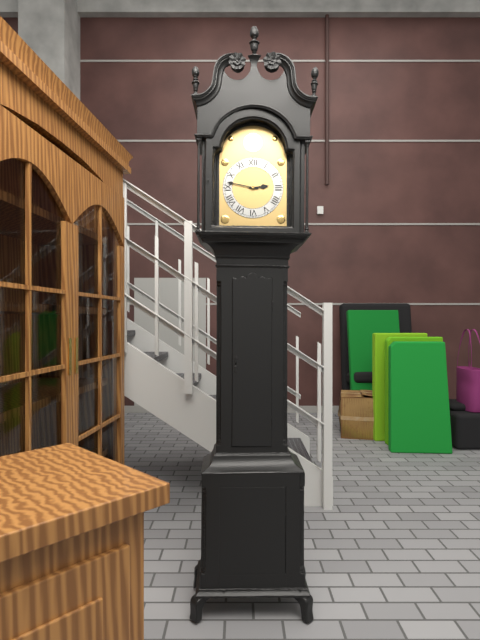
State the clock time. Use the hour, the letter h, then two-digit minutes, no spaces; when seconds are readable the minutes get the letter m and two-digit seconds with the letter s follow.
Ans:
2h47
